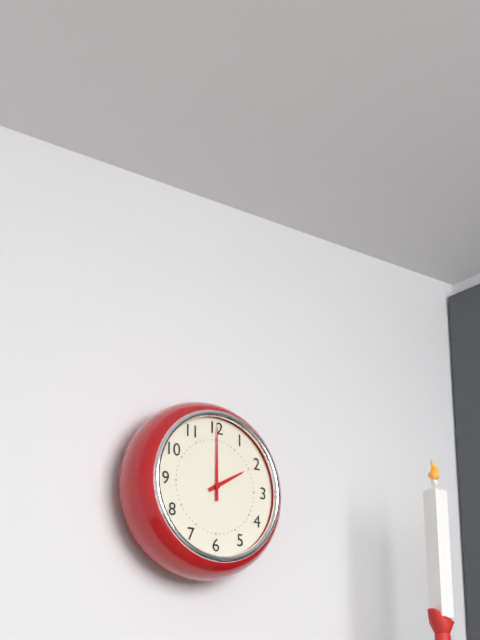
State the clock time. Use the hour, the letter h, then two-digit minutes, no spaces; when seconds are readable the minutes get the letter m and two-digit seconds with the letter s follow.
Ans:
2h00
